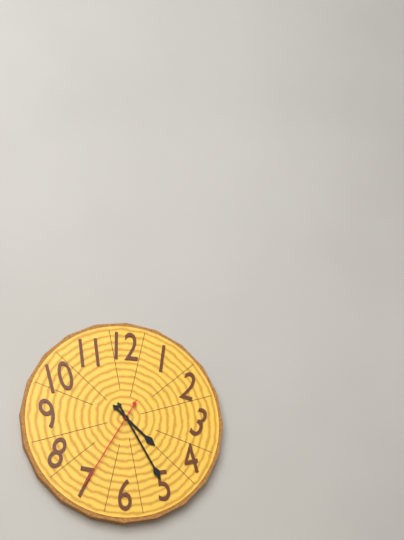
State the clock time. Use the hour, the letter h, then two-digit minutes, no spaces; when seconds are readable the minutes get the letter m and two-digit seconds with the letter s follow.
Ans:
4h25m35s
